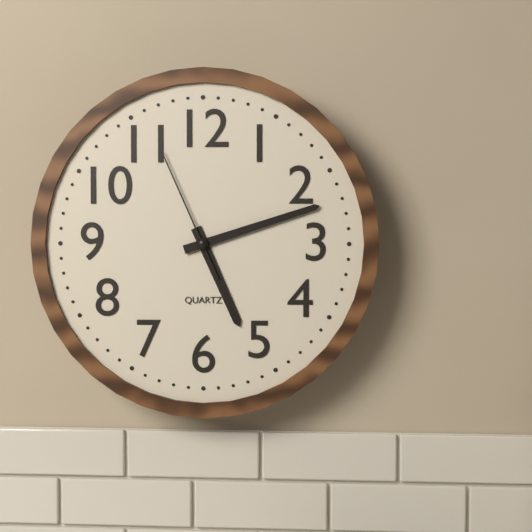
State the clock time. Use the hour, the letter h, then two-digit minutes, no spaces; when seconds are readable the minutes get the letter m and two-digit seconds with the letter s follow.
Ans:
5h12m56s
